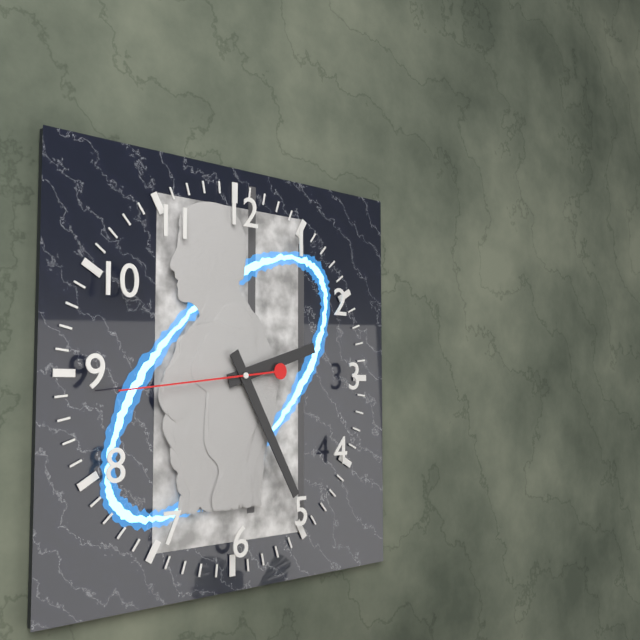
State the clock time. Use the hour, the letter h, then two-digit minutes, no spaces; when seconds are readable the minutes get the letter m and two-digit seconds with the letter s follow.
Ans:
2h25m44s
